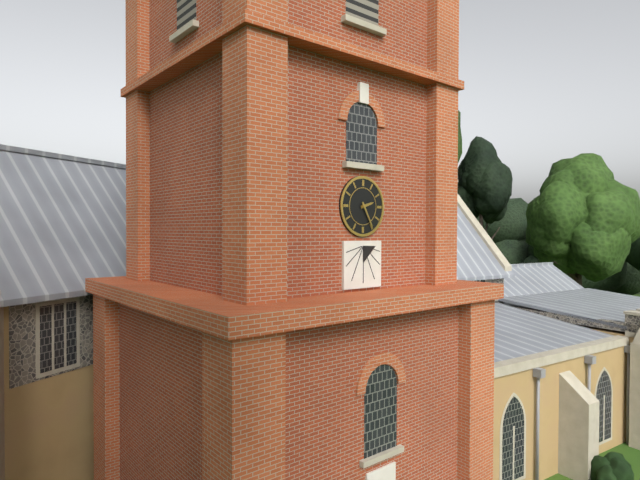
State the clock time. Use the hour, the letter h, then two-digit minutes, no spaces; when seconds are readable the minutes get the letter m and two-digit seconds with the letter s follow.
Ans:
2h25
